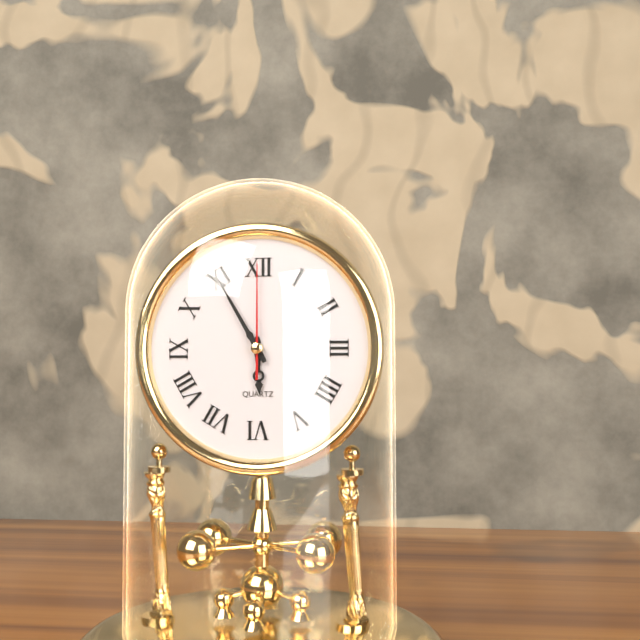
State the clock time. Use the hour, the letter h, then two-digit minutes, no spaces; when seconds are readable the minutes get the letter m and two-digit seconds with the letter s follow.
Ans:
5h55m00s
